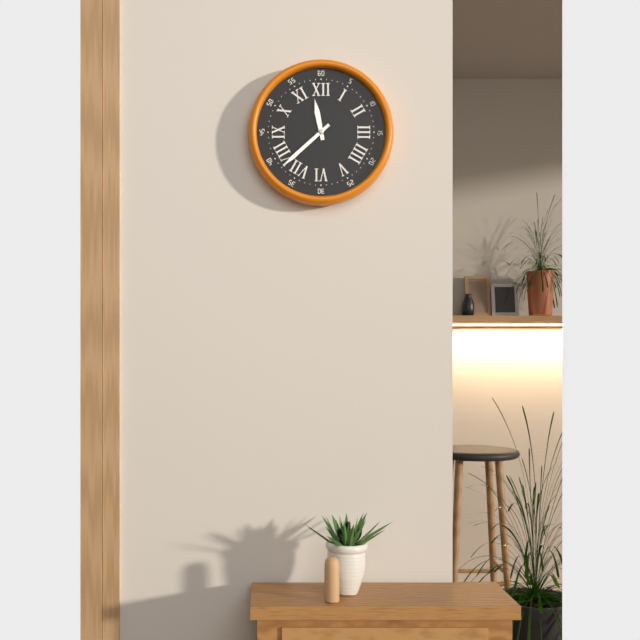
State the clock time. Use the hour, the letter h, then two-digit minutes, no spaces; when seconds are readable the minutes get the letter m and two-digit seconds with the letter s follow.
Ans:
11h38
